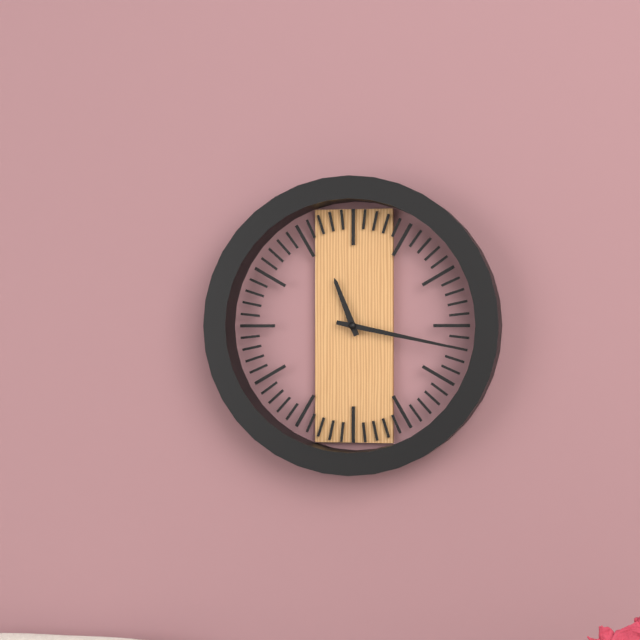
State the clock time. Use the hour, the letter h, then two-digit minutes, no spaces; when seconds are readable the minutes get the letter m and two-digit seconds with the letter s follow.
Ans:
11h17
